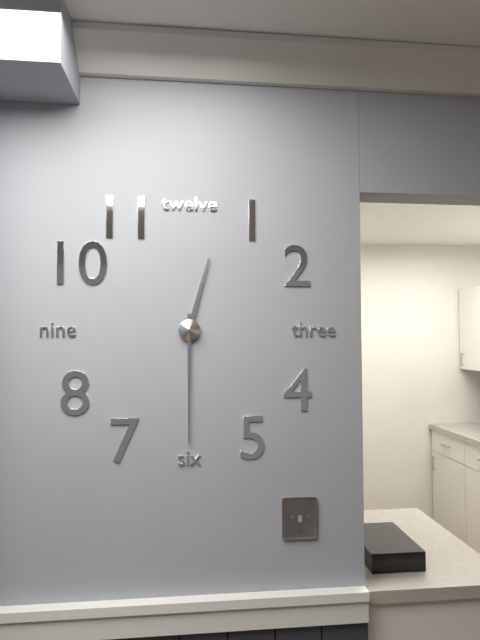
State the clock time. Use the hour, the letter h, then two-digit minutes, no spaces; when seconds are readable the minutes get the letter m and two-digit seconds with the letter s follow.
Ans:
12h30
